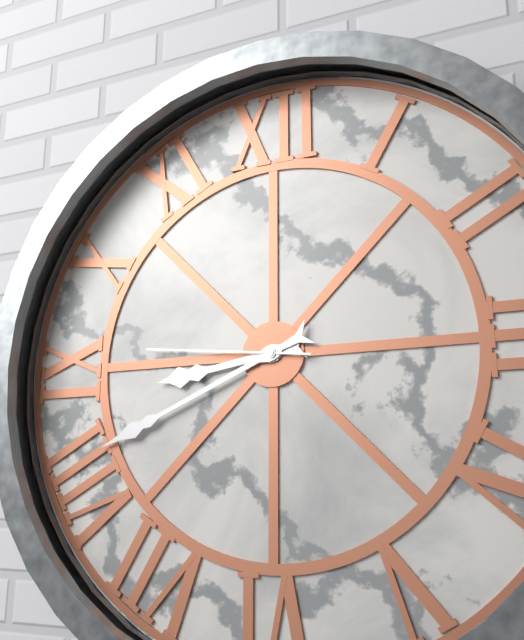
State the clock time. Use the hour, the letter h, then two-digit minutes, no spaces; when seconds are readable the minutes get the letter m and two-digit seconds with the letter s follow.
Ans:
8h41m46s
